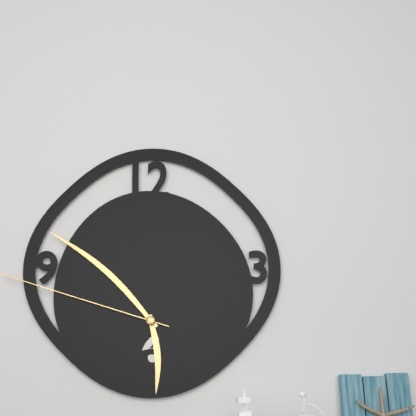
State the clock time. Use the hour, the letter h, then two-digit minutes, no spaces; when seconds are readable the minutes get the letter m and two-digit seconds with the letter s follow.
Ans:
5h52m48s
